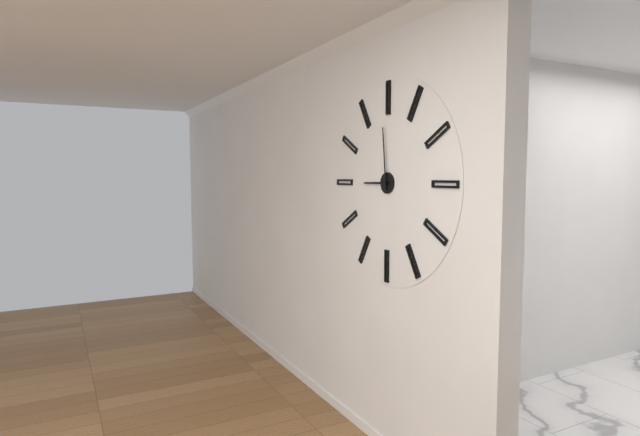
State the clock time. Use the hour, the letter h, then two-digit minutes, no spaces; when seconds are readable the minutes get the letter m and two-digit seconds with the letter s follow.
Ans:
8h59
